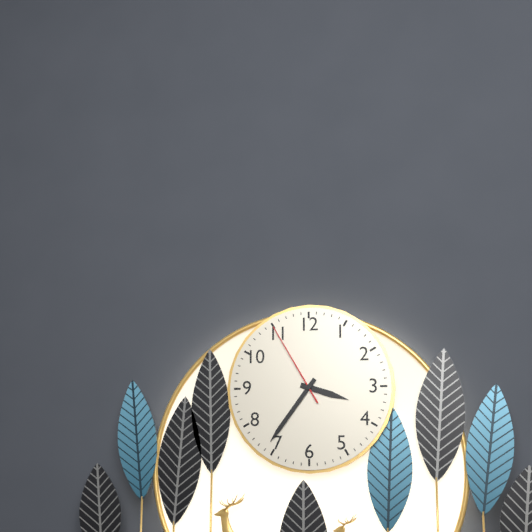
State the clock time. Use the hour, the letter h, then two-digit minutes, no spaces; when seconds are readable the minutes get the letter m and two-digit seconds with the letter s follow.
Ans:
3h36m55s
